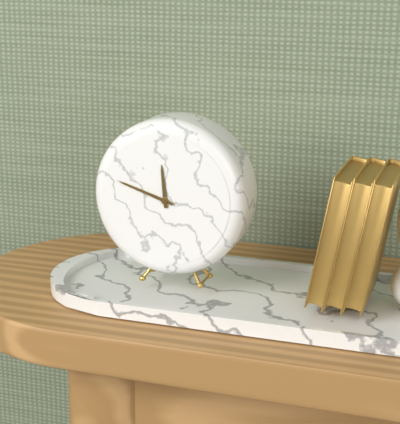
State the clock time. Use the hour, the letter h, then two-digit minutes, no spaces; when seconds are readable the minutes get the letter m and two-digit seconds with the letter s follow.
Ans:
11h48
